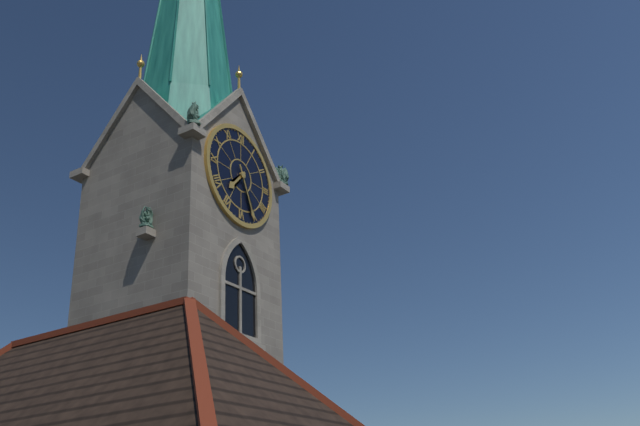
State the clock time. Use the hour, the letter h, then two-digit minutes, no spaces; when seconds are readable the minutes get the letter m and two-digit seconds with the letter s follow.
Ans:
7h26
